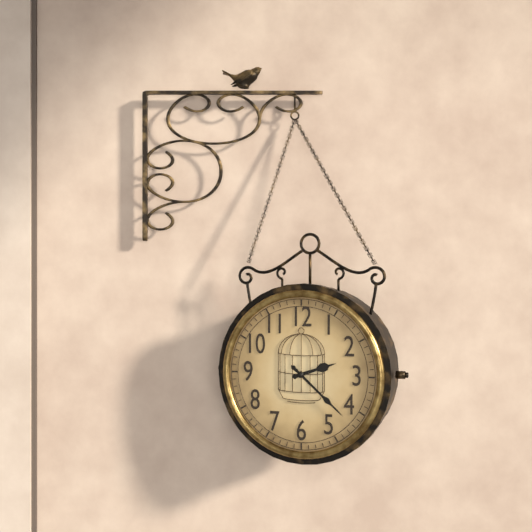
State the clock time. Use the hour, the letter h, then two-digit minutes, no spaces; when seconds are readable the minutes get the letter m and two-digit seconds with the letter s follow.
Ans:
2h22
